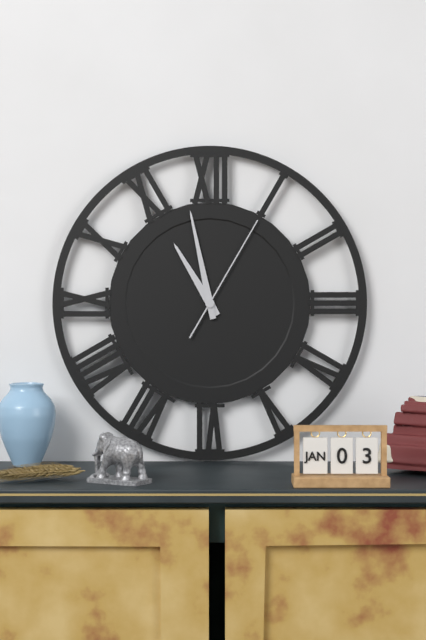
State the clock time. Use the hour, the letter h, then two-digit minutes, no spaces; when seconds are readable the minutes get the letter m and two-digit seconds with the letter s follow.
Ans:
10h58m05s
